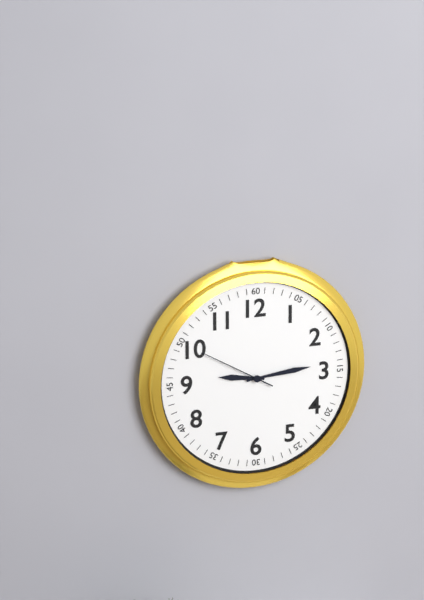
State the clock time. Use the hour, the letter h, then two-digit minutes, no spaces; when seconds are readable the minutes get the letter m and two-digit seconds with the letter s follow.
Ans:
9h14m50s
